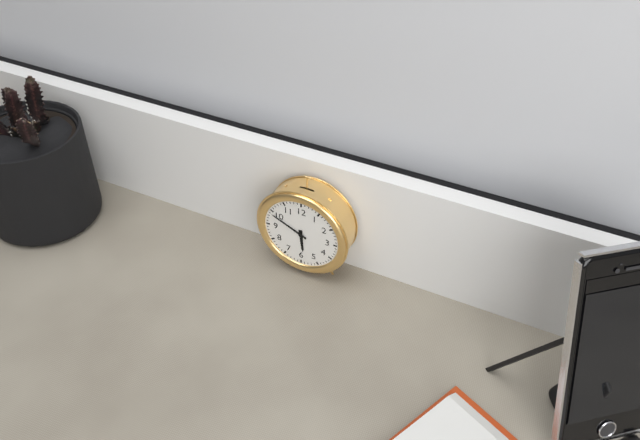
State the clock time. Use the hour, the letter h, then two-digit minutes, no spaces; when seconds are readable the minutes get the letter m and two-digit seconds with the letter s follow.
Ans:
5h49
